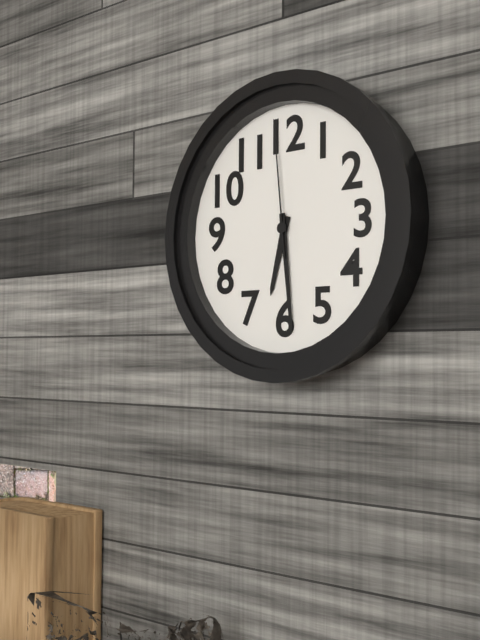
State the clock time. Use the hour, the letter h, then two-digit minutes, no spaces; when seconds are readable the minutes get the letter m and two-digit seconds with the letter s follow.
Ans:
6h29m59s
